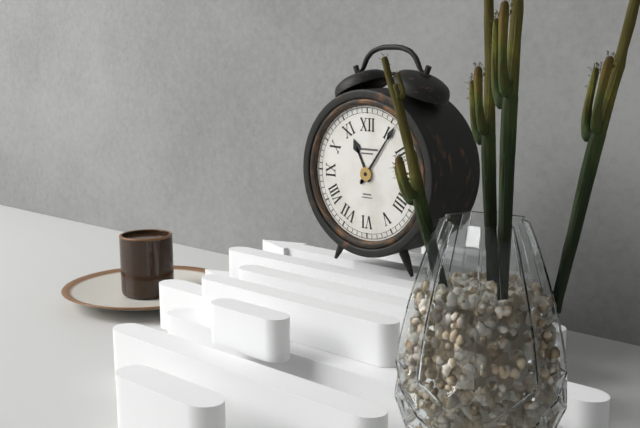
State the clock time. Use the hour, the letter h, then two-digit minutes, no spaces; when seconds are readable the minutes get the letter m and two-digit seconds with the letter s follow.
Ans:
11h06
